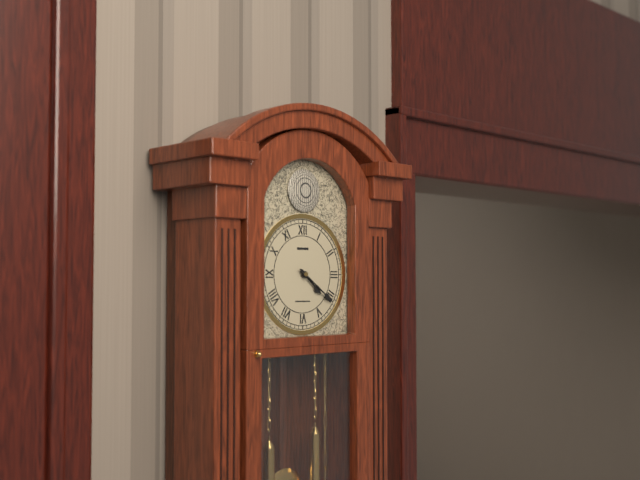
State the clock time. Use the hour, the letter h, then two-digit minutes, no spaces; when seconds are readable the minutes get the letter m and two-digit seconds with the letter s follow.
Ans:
4h21
